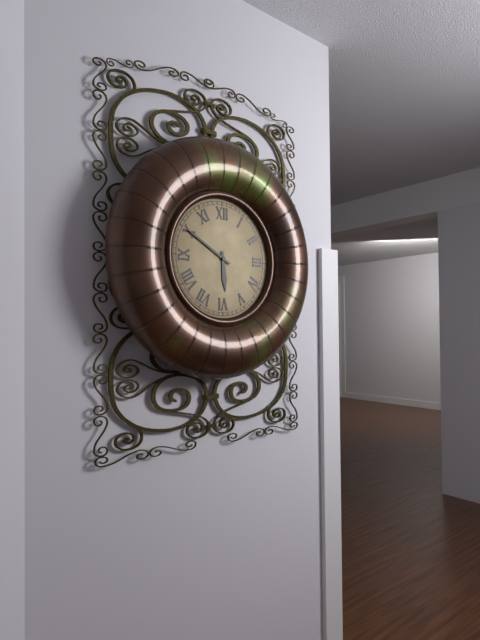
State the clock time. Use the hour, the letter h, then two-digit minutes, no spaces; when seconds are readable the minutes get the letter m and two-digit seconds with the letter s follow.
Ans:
5h50
